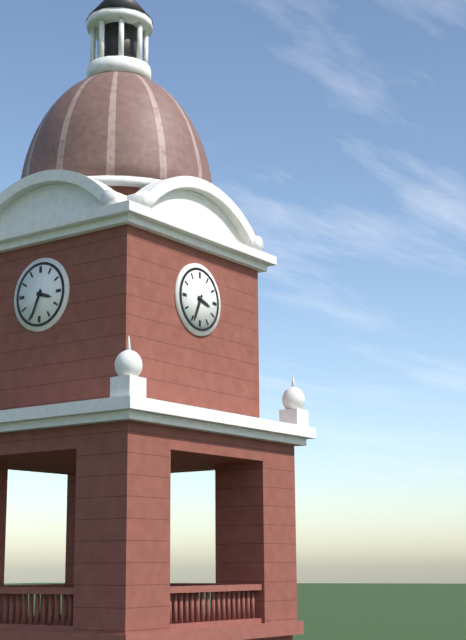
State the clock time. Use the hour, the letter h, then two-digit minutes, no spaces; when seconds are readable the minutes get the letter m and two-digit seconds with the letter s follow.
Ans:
3h34
